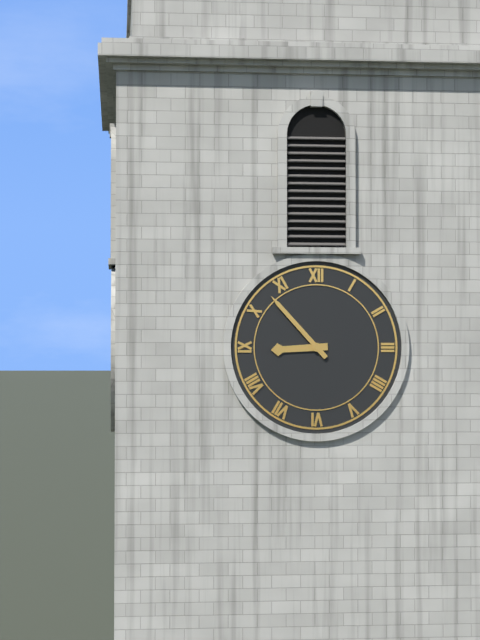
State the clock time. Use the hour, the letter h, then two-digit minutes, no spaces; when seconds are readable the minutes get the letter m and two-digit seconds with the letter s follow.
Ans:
8h53
